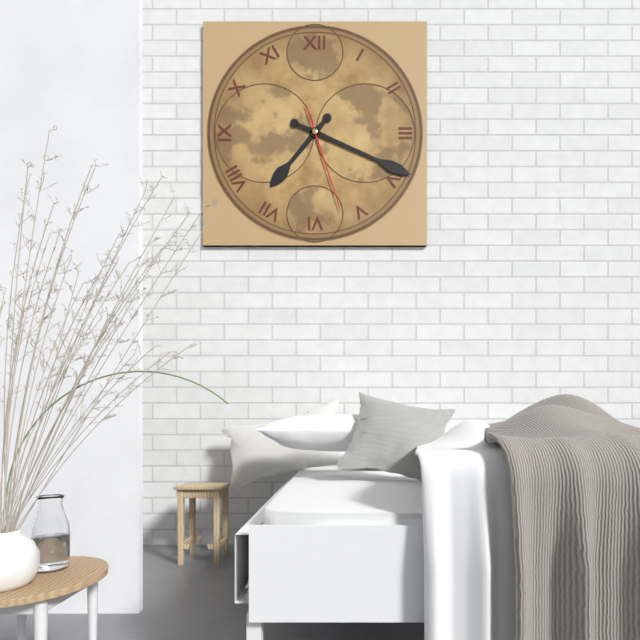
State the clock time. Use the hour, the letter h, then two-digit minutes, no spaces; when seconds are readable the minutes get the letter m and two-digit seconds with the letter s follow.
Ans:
7h19m27s
